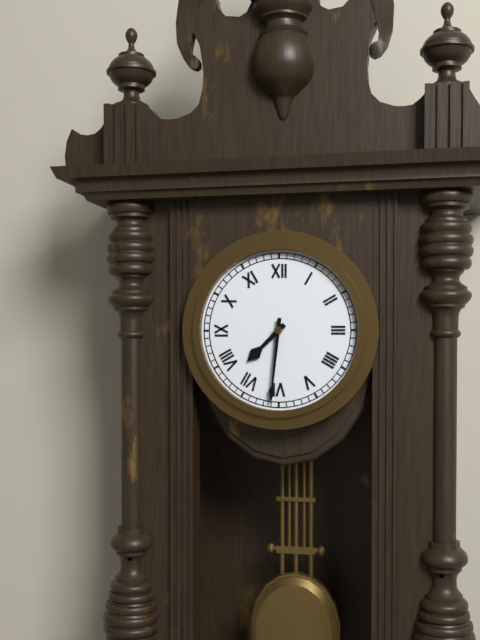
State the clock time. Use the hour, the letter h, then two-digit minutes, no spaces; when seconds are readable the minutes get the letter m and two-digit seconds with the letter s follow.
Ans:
7h31
